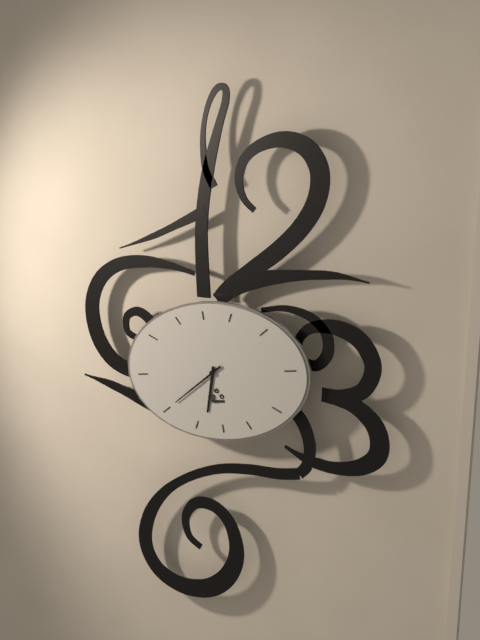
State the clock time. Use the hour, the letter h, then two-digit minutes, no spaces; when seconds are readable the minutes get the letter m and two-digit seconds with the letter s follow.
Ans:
6h40
